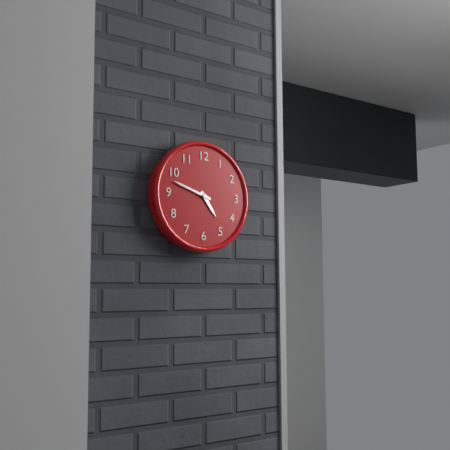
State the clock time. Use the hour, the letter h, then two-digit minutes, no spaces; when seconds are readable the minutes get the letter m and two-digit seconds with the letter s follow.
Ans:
4h48
